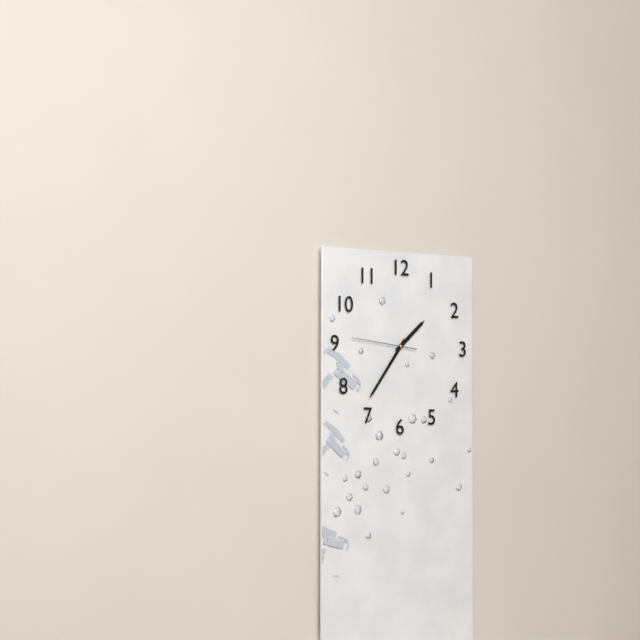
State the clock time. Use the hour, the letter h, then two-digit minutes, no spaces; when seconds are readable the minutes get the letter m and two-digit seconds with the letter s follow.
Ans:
1h36m46s
